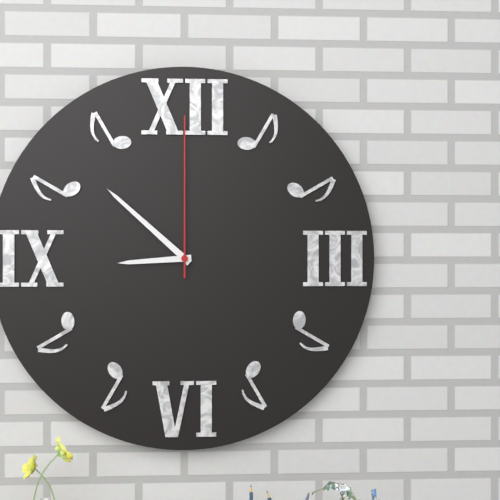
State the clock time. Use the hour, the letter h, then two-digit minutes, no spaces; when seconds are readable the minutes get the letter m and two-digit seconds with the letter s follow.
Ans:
8h52m00s
